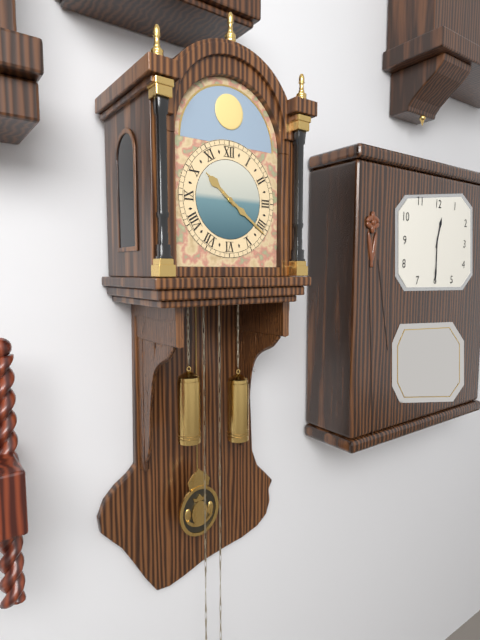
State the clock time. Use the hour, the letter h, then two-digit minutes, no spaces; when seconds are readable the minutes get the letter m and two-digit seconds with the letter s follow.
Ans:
10h21
